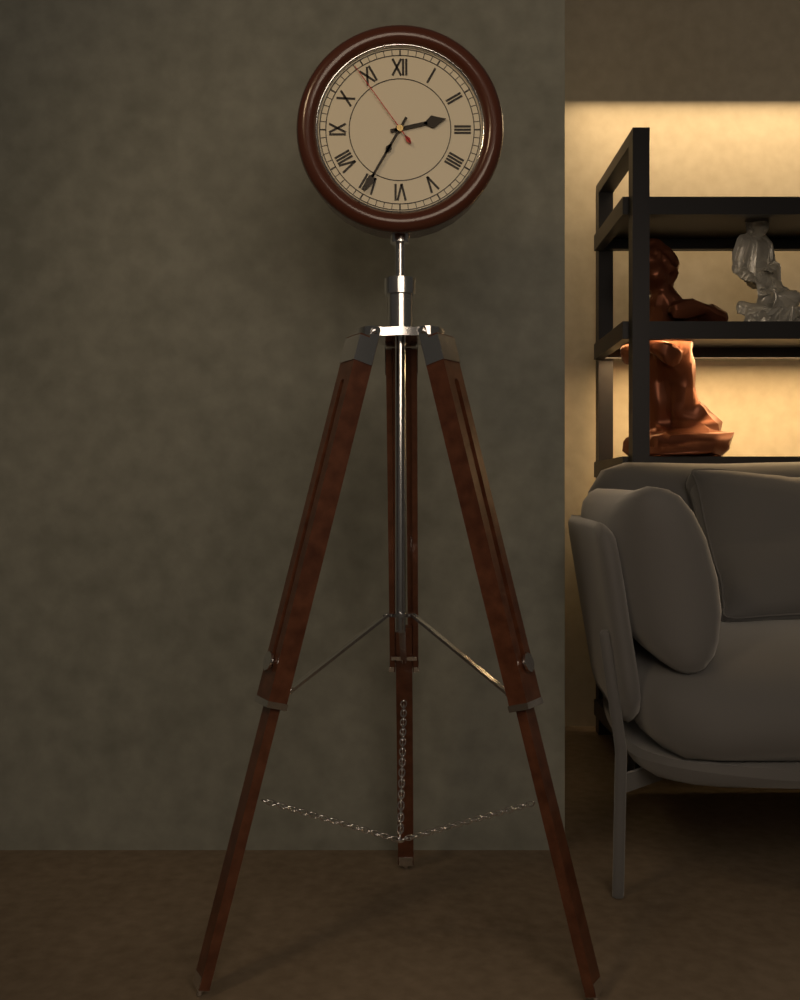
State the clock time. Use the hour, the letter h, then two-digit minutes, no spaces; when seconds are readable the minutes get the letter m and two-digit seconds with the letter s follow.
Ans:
2h35m54s
